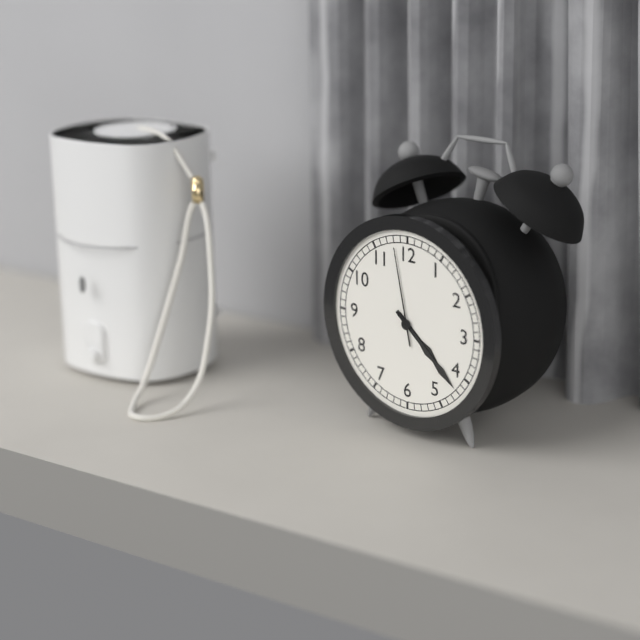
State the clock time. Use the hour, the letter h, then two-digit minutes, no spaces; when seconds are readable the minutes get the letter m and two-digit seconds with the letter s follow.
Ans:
4h22m58s
